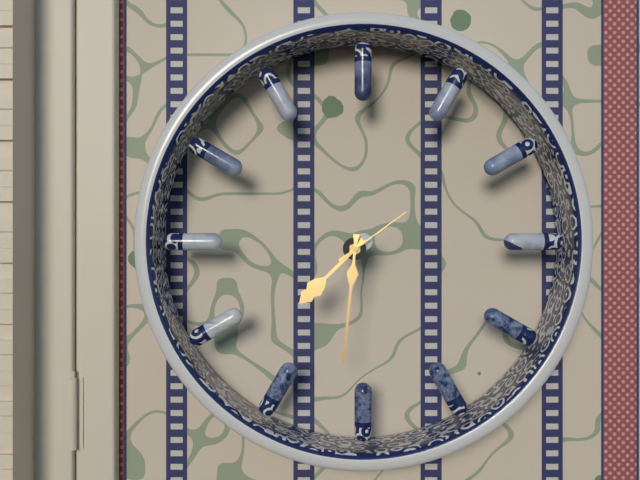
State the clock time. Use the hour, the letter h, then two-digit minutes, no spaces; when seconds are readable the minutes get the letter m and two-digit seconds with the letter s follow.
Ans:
7h31m09s
